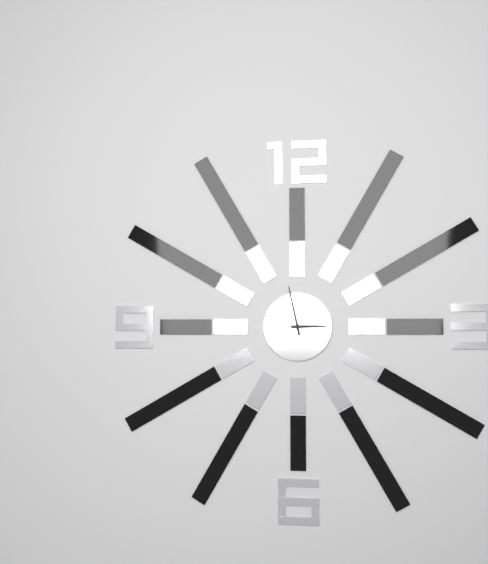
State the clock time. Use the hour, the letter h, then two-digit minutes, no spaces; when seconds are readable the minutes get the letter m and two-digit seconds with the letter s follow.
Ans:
2h58
